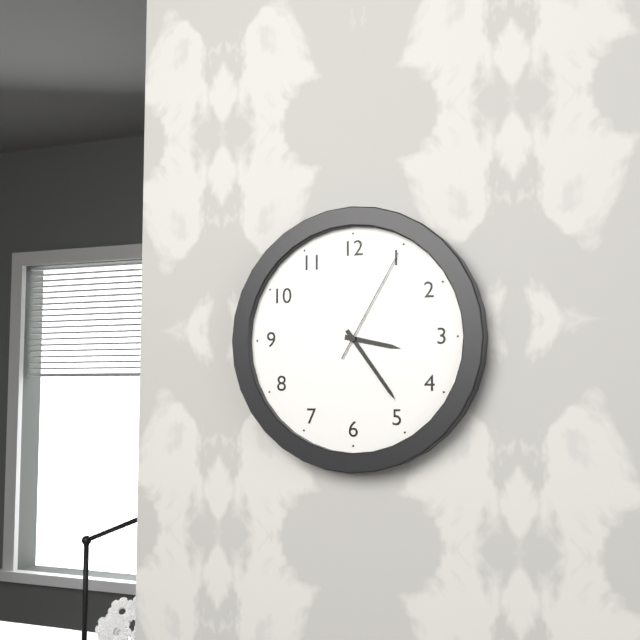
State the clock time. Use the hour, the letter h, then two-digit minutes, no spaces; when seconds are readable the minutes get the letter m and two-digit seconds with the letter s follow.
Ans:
3h24m05s
